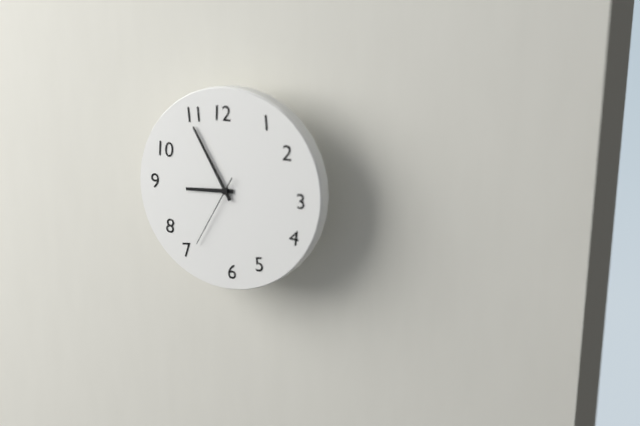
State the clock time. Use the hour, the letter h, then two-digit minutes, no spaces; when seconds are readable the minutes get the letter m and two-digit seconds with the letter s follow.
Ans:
8h55m35s
